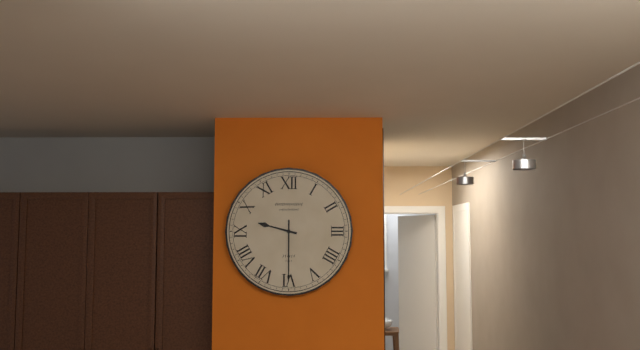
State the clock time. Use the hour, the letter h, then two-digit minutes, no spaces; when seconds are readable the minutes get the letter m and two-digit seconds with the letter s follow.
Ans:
9h30
